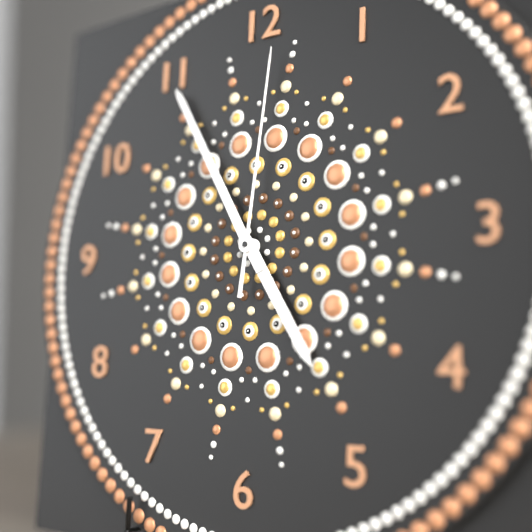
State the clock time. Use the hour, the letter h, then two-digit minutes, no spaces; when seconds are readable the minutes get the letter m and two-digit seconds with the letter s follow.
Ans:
4h55m01s
